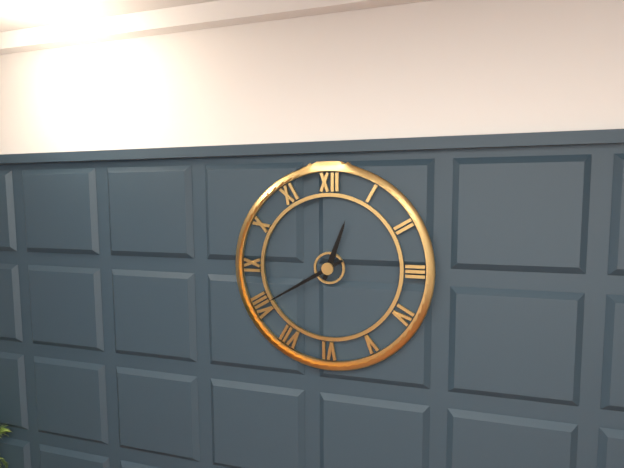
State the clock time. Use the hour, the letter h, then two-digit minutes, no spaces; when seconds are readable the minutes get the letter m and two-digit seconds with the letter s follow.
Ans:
12h40
